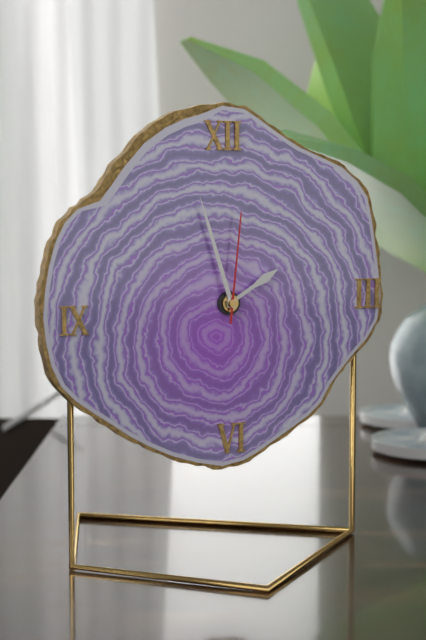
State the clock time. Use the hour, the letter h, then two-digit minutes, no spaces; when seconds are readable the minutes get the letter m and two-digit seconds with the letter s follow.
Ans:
1h57m01s
